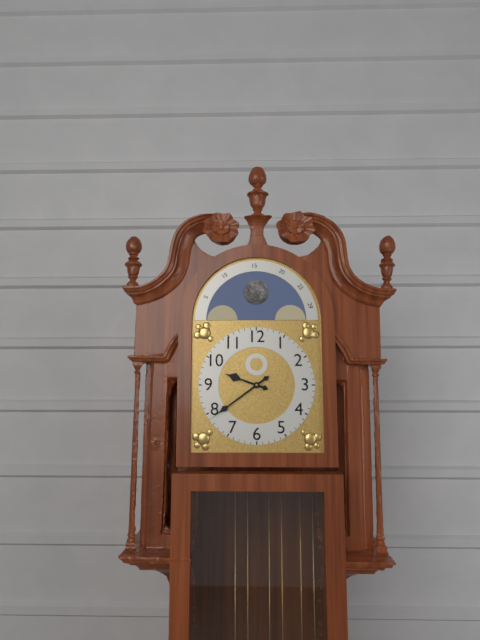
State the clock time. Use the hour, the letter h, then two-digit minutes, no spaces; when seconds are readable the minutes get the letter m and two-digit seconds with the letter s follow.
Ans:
9h39
